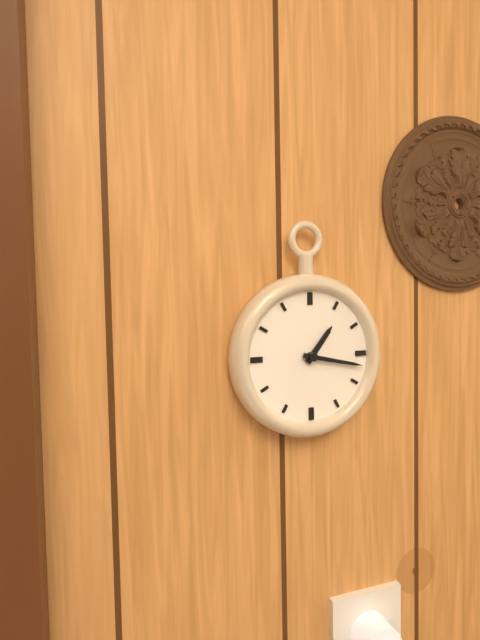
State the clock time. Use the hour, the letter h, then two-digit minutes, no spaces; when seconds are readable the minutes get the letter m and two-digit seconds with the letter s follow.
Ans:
1h17
